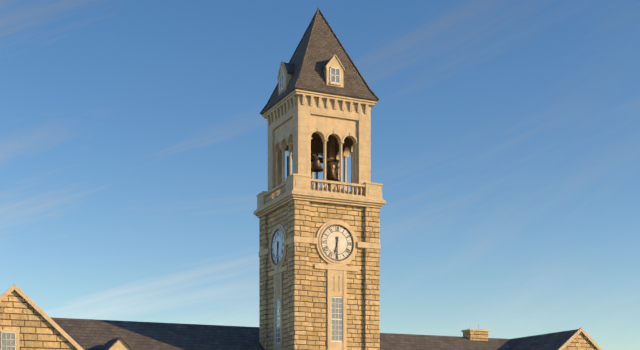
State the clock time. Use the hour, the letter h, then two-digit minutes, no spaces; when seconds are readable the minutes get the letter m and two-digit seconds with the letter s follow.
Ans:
6h30
